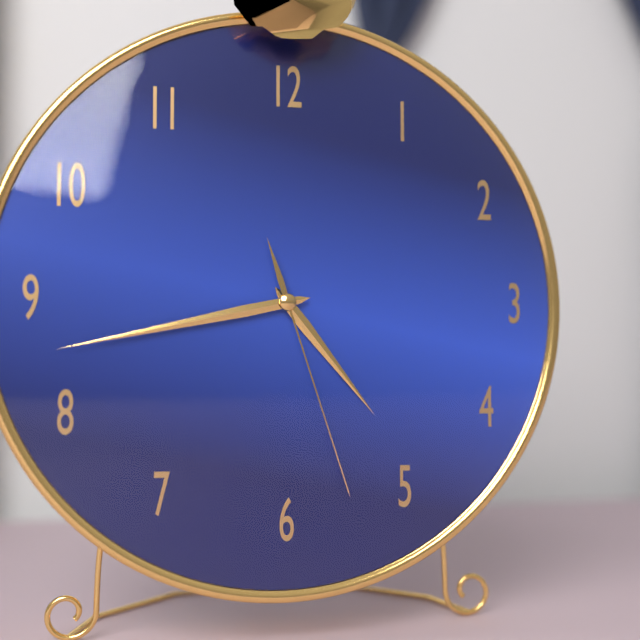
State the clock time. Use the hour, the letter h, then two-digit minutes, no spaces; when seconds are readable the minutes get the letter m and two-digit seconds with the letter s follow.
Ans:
4h43m27s
